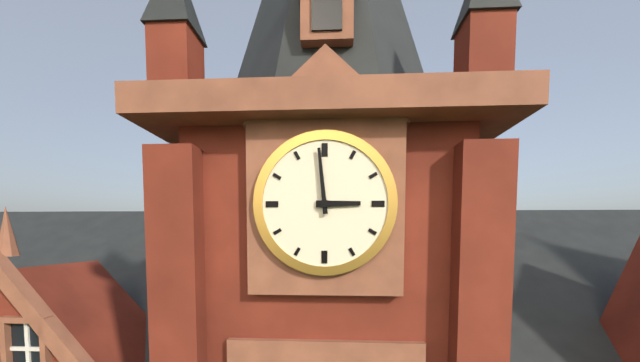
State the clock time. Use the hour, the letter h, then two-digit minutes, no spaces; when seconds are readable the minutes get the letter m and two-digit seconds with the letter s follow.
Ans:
2h59
